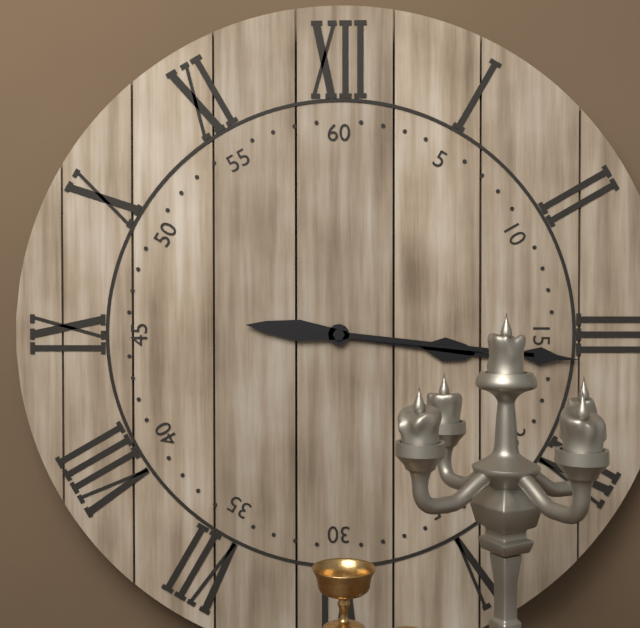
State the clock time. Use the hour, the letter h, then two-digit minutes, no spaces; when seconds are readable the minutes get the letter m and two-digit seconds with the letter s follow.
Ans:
3h16
